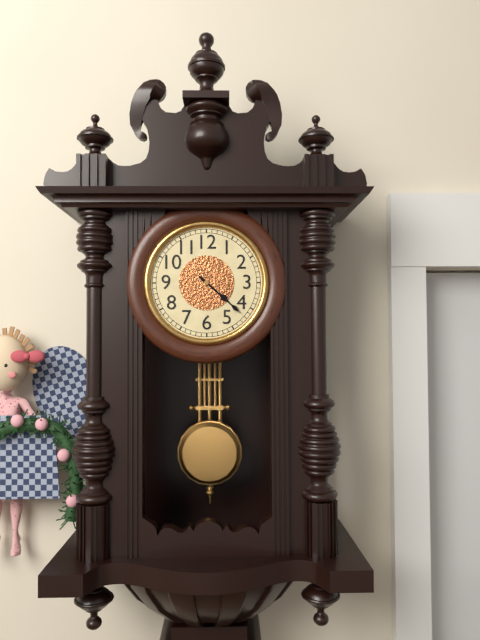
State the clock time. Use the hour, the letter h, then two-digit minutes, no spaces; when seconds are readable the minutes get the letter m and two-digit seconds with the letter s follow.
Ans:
4h22
